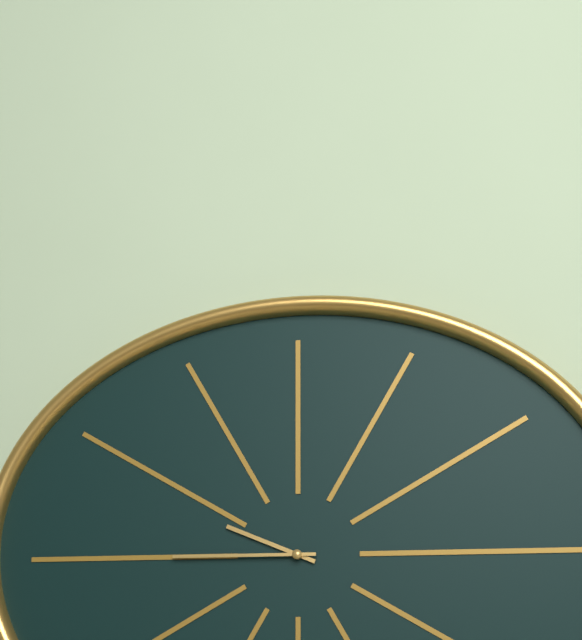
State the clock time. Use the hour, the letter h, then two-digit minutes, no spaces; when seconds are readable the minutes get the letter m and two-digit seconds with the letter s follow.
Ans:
9h45
